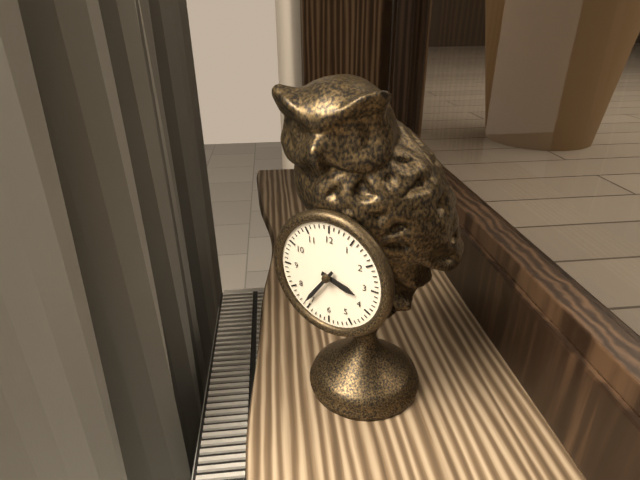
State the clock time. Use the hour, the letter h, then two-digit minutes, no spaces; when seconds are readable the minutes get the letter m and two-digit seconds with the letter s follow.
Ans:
3h36
